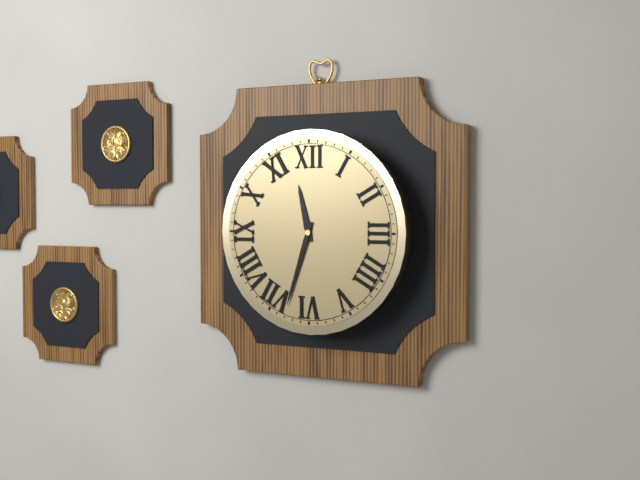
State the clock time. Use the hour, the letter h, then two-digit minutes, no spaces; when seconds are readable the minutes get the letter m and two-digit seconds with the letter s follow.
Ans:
11h33
